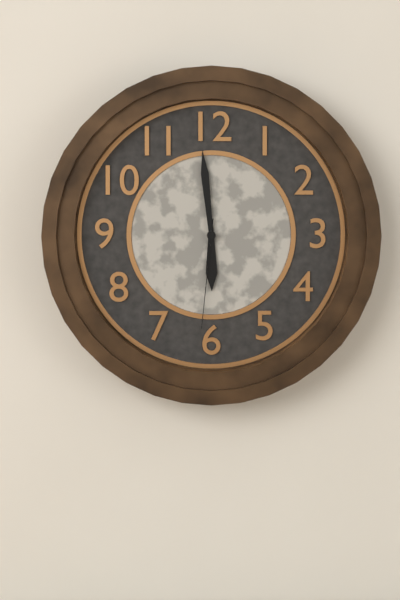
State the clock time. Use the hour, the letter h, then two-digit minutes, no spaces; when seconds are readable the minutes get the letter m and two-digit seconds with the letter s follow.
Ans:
5h59m31s
